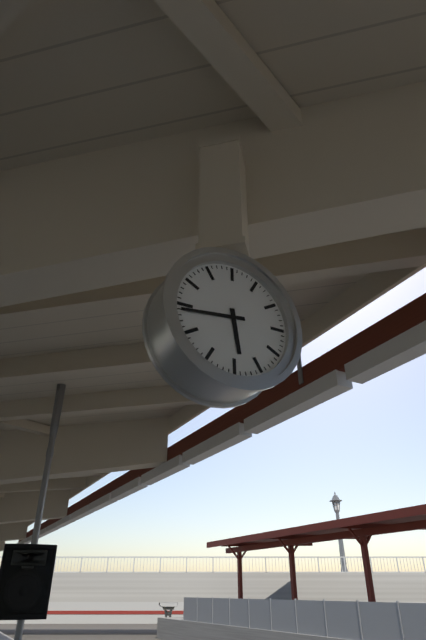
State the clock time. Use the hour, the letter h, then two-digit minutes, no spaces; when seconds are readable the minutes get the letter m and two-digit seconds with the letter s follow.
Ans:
5h44
